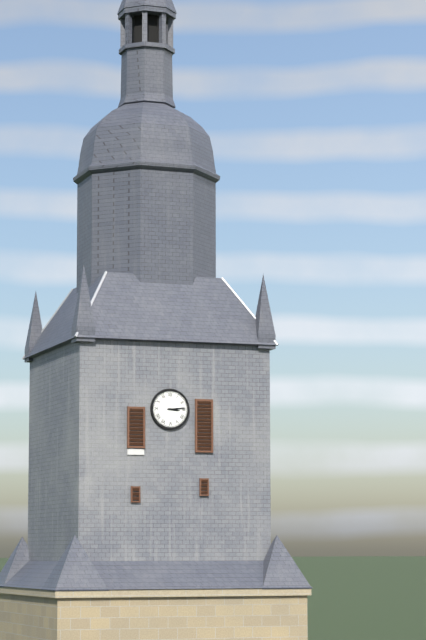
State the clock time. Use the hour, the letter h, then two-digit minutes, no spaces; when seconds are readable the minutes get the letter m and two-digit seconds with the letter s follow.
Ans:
3h14
